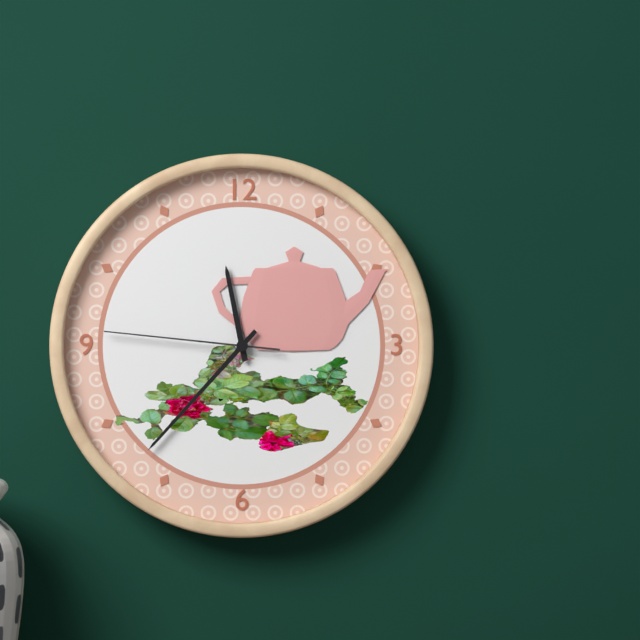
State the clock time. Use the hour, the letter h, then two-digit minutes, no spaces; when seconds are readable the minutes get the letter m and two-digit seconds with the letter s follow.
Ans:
11h37m46s
